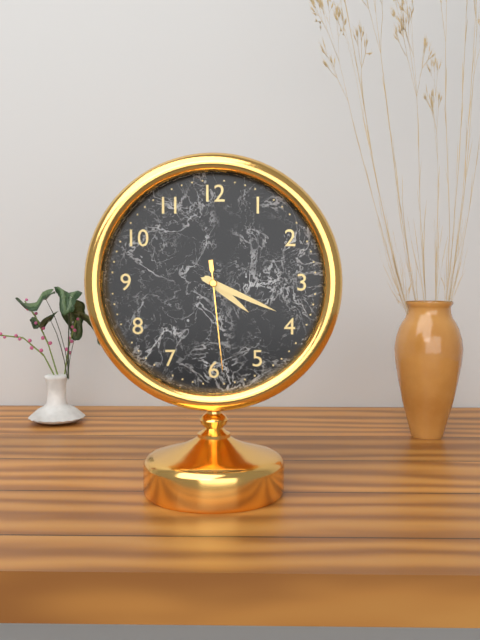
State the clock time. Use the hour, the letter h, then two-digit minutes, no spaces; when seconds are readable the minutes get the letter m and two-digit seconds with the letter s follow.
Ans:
4h19m29s
